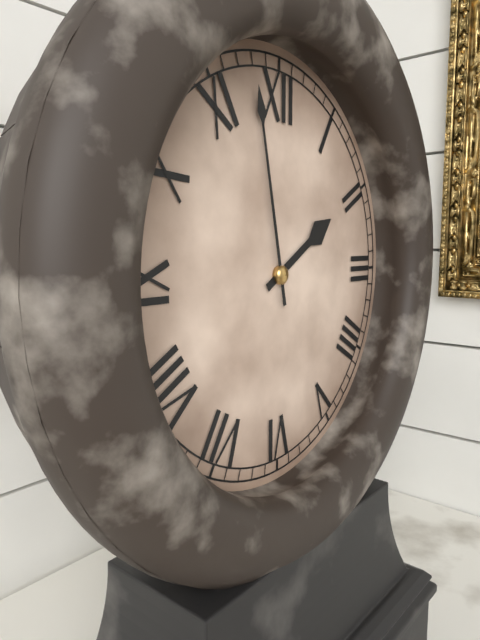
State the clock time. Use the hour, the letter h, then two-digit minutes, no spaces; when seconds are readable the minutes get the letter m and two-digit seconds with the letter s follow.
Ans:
1h58
